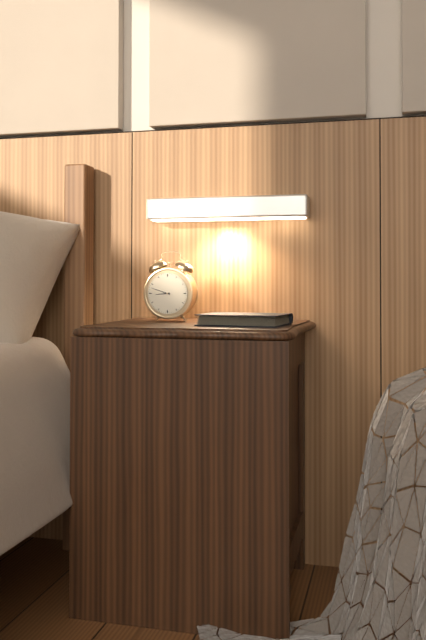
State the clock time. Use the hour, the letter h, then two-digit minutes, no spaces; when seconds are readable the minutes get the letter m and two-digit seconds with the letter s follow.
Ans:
8h48
